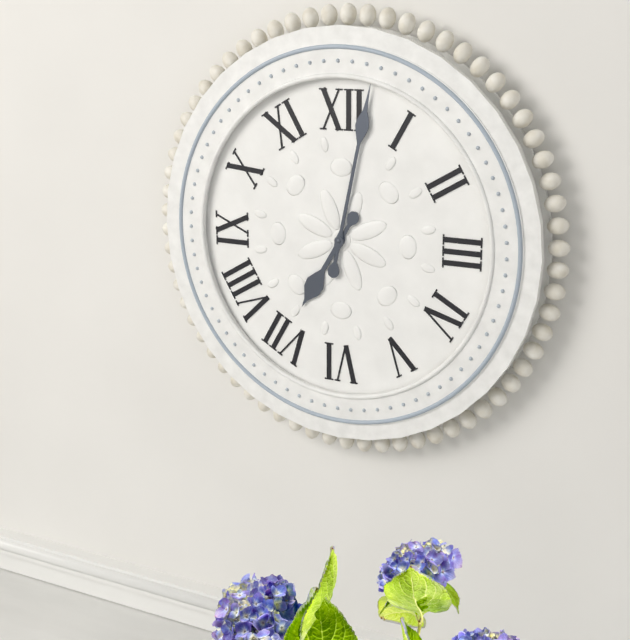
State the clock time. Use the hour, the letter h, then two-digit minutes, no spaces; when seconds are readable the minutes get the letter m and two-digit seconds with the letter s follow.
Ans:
7h02
